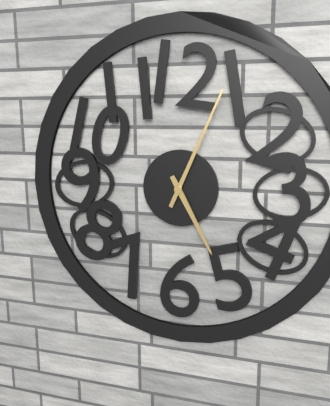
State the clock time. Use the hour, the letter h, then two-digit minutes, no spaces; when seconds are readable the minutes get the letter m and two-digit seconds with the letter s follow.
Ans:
5h04
